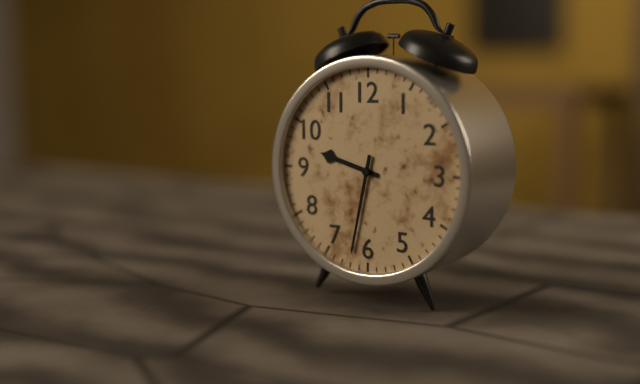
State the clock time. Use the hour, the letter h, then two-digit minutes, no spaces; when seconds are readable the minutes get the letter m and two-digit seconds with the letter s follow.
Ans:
9h32
